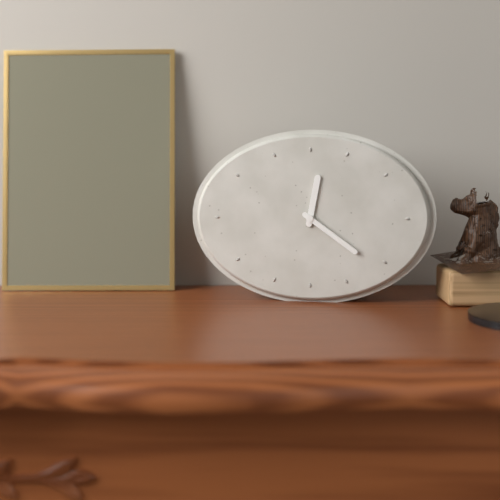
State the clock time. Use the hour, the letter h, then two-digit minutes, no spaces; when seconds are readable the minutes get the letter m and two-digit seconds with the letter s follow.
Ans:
12h21
